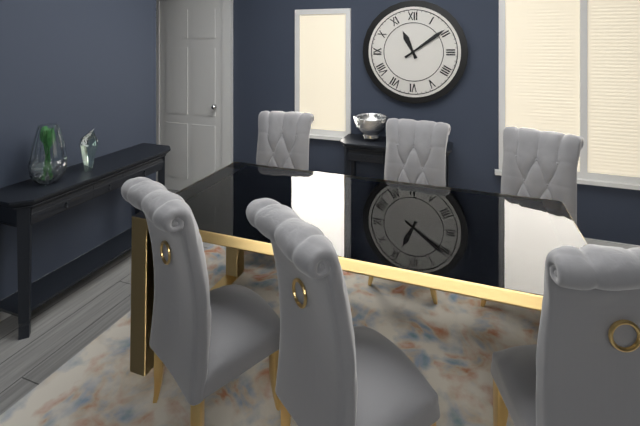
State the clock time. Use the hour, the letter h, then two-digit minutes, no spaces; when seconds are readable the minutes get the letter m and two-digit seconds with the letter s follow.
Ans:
11h09
